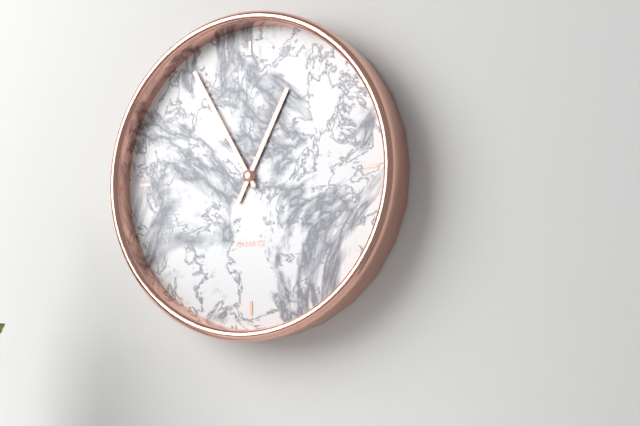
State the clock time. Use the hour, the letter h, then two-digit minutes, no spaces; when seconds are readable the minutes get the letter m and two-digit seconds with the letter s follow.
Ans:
12h55
